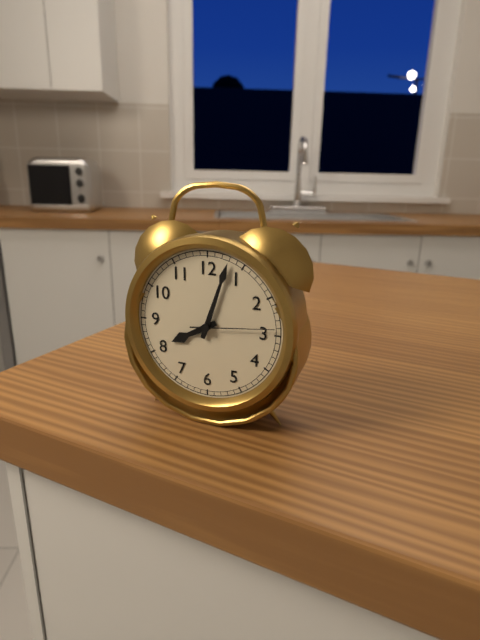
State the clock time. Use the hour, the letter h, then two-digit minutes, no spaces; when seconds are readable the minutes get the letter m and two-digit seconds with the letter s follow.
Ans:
8h03m14s
